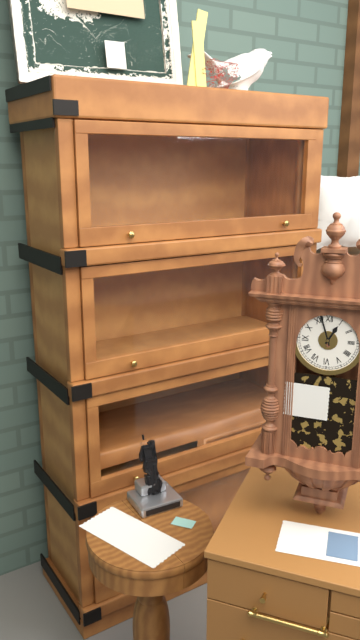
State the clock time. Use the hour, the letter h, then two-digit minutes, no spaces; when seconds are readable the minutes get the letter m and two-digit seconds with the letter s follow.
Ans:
12h57
